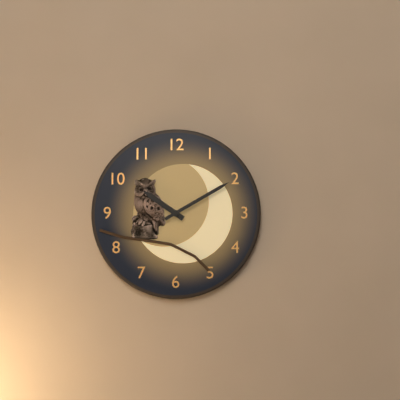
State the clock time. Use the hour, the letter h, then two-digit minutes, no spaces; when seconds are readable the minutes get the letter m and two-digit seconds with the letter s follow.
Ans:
10h10
